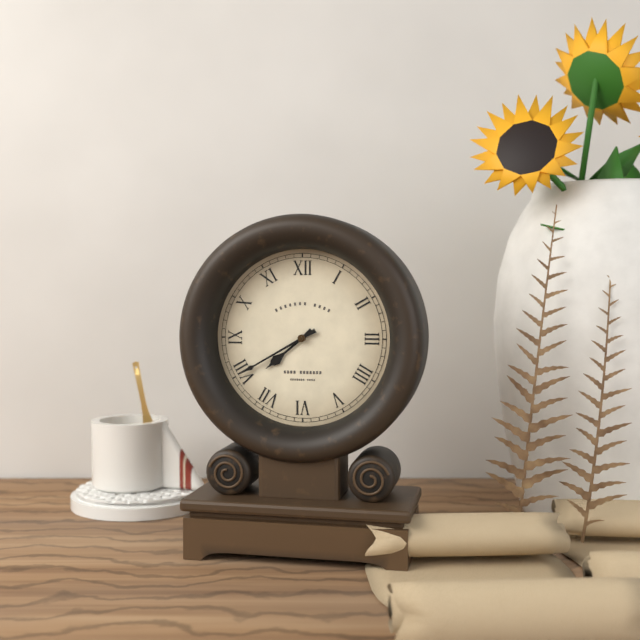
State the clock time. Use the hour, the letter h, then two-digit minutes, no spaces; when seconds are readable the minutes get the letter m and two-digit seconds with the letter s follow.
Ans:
7h40
